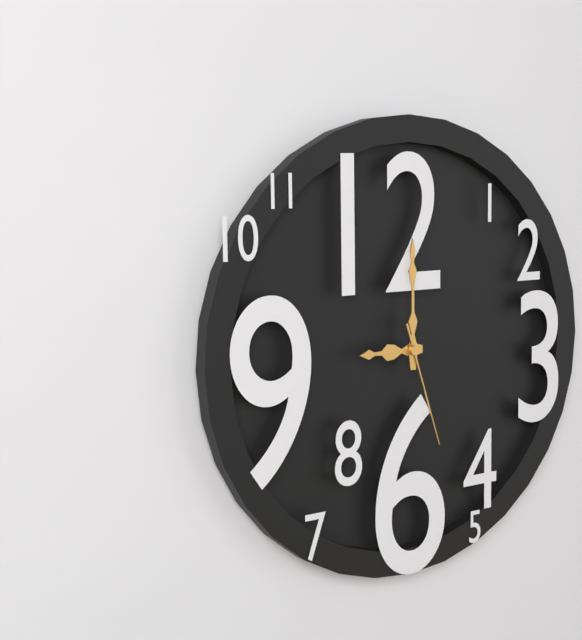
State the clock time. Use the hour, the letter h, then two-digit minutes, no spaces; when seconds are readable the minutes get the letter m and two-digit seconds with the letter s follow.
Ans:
9h00m27s
